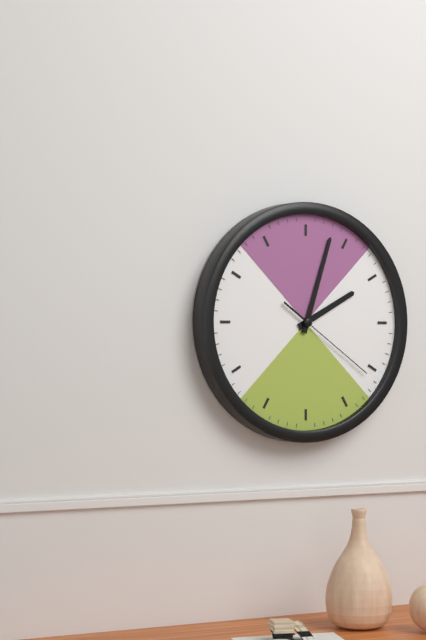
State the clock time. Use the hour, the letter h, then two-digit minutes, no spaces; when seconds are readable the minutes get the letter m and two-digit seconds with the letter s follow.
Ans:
2h03m21s
